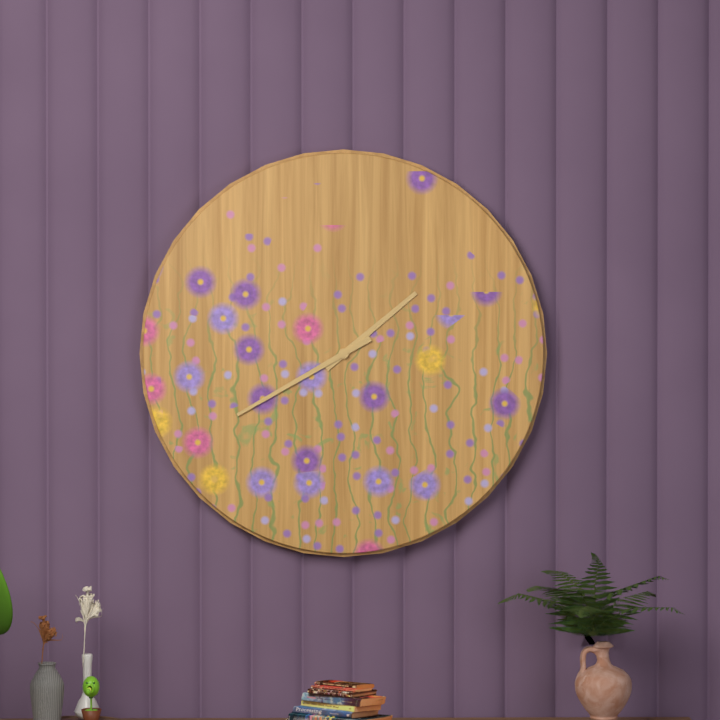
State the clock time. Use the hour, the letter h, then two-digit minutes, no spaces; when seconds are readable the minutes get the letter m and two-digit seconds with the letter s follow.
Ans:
1h40
